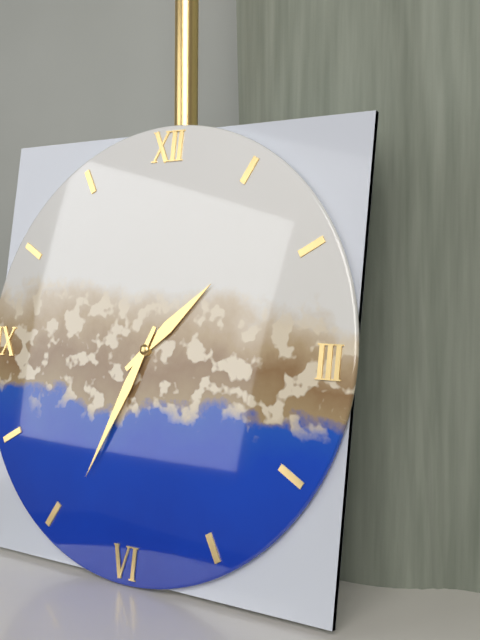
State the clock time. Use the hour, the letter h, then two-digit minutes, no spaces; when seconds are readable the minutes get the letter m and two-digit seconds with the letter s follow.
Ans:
1h34
